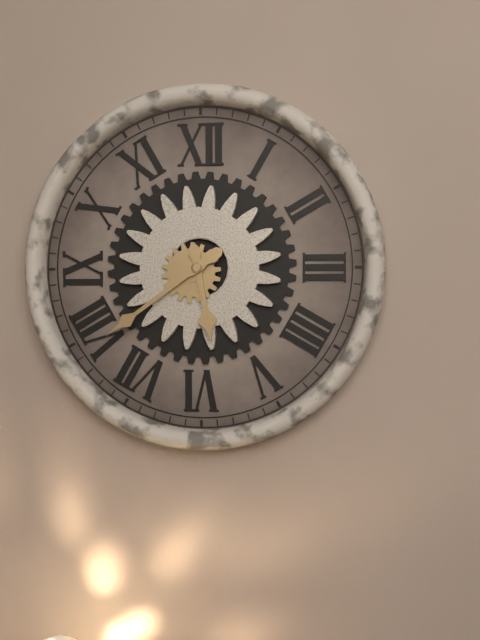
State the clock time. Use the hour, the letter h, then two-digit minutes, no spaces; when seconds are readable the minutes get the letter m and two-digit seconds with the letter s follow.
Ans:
5h39
